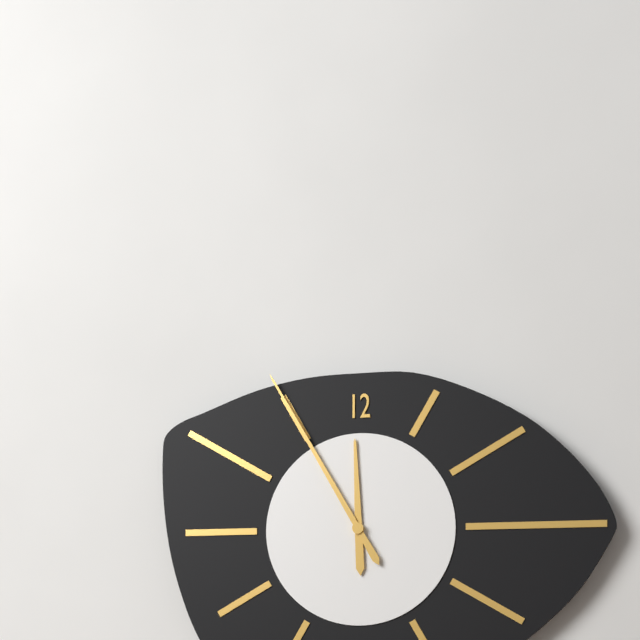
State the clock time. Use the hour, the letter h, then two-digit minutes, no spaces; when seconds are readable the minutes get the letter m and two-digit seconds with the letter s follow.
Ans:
11h55
